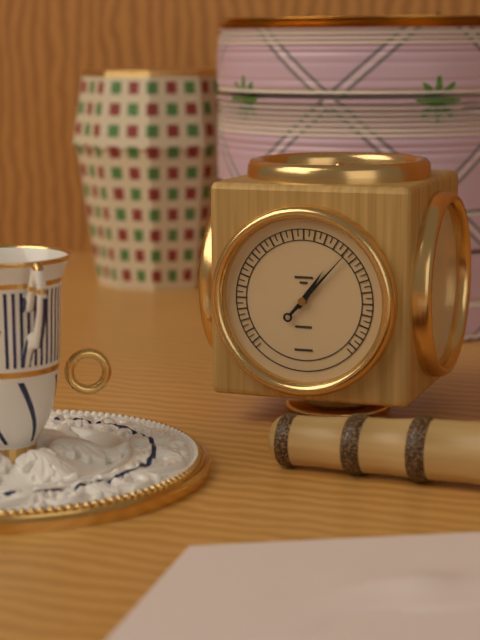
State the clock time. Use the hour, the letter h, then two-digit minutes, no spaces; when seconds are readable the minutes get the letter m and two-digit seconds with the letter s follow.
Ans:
1h07
